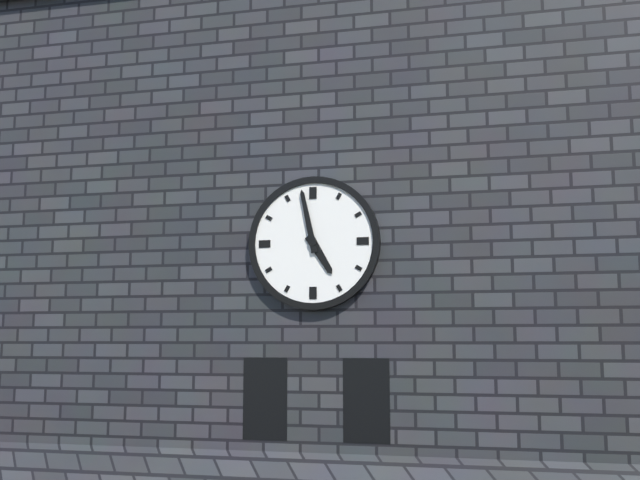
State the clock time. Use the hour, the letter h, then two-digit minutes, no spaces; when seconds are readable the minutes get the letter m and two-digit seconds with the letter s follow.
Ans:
4h58
